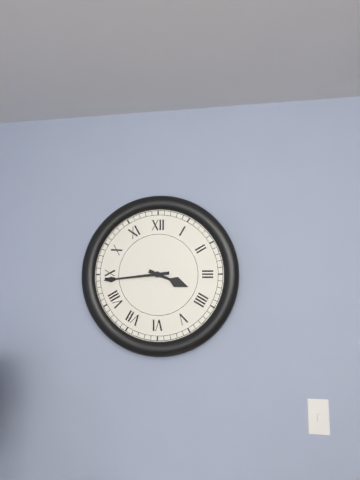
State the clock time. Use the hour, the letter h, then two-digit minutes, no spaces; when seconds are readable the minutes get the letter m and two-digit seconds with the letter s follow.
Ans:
3h44
